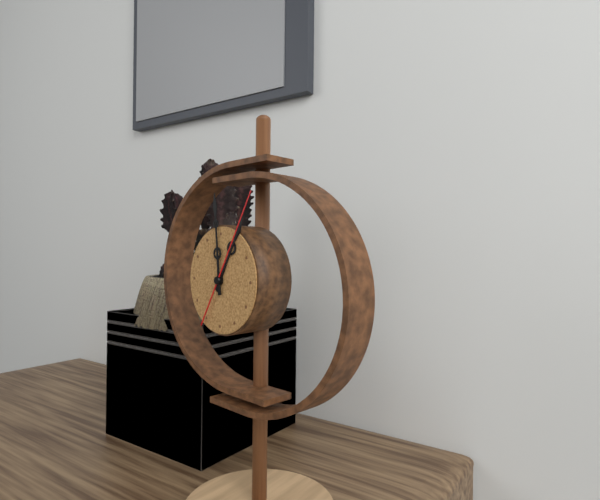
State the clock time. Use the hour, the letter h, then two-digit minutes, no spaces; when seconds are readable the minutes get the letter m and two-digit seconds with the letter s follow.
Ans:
12h59m05s
